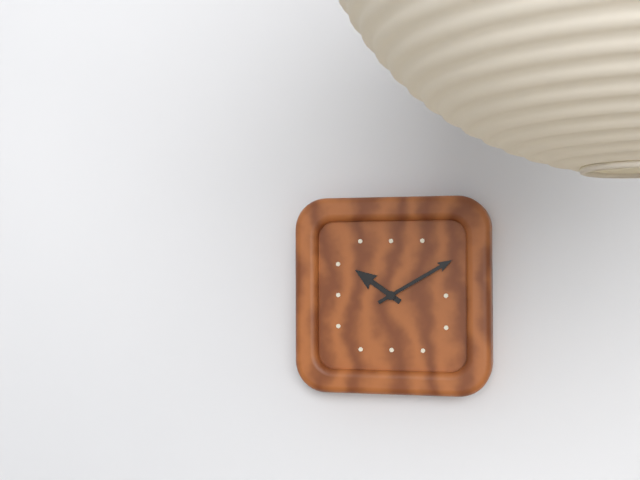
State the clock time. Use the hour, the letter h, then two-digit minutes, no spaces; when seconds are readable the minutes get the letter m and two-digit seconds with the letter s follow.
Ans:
10h10
